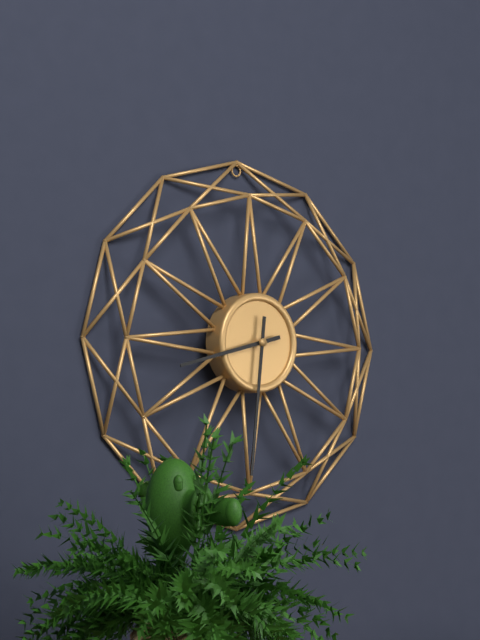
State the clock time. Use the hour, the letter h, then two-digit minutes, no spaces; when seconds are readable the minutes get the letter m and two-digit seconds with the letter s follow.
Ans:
8h31
